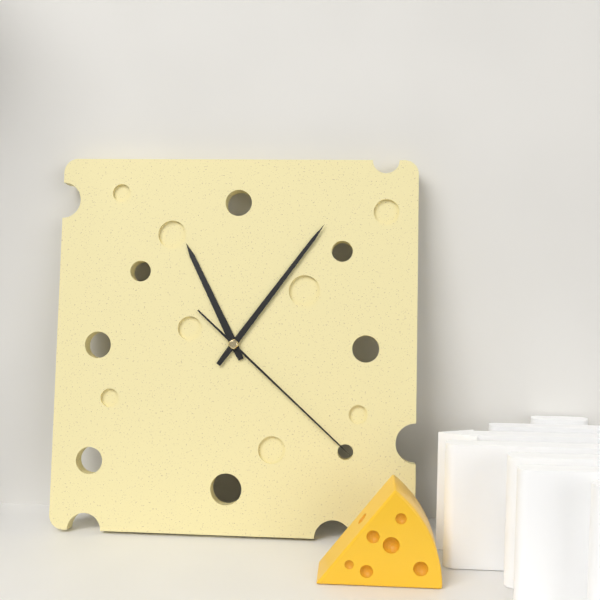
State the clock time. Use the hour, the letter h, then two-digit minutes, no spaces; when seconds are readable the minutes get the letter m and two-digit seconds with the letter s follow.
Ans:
11h06m22s
